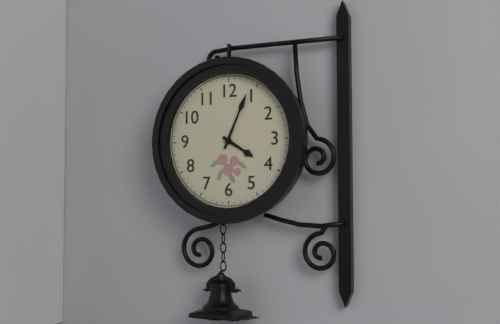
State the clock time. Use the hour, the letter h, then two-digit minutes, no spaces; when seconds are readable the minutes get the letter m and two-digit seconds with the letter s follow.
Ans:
4h04
